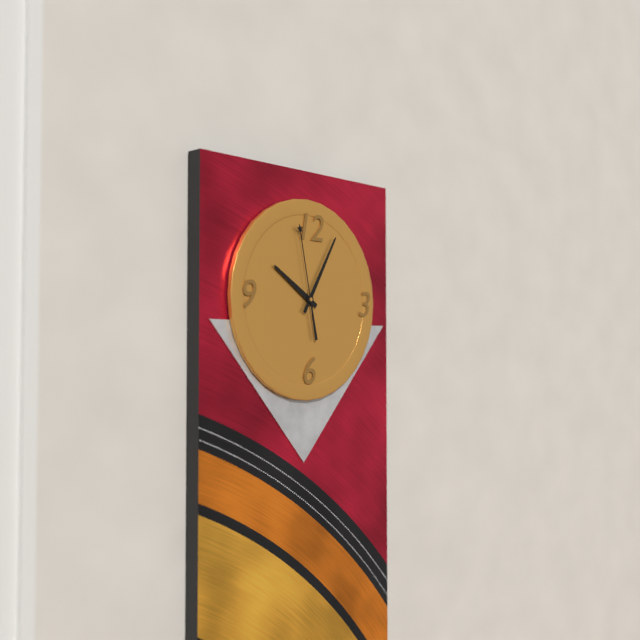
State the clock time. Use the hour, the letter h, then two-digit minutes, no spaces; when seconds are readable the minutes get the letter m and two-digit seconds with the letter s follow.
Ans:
10h05m58s
